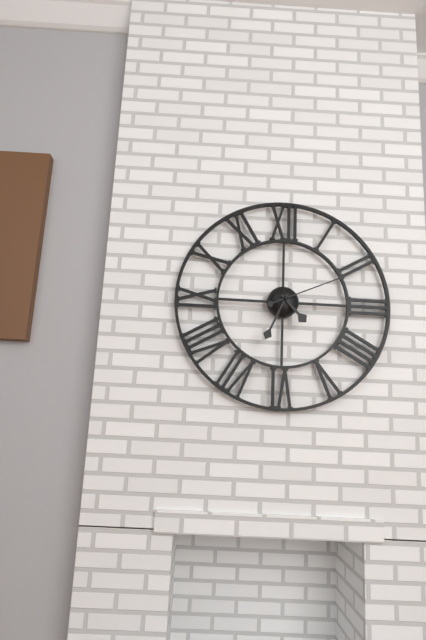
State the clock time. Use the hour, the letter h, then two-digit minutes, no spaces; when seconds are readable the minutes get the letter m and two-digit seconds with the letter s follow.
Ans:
4h34m11s
